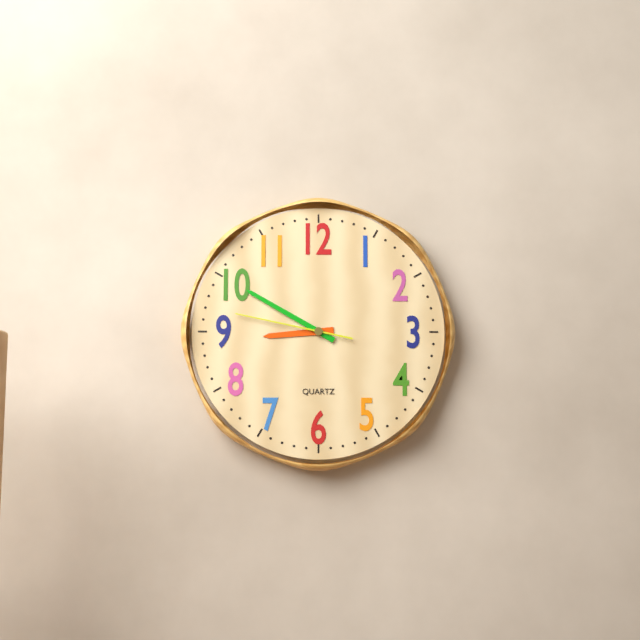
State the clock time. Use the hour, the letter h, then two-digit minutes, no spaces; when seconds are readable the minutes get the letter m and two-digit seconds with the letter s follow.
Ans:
8h50m47s
